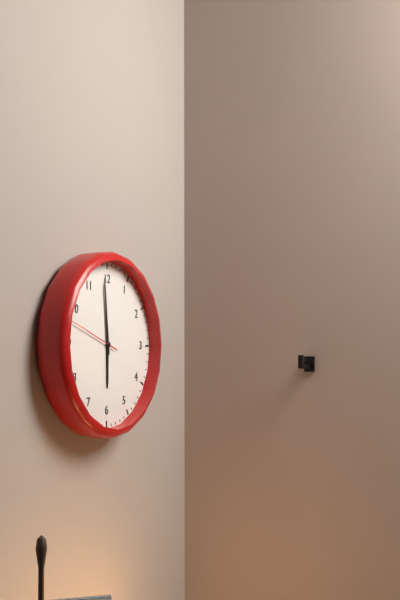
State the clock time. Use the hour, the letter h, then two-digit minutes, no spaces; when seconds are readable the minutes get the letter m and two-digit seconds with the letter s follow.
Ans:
5h59m48s
